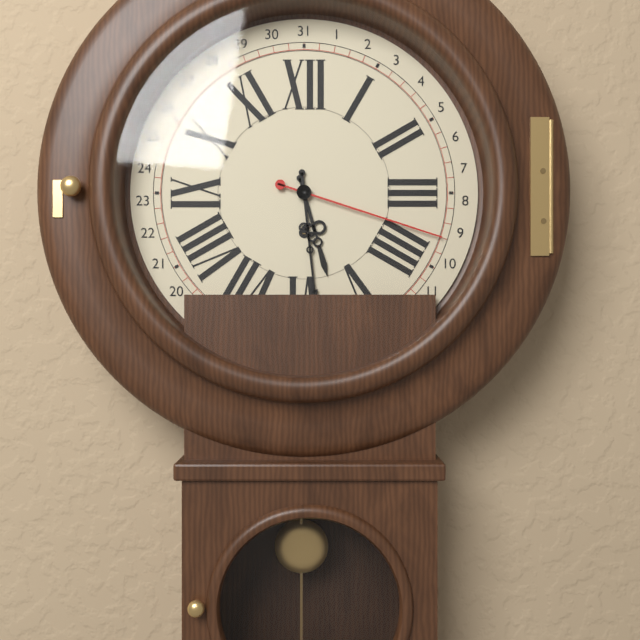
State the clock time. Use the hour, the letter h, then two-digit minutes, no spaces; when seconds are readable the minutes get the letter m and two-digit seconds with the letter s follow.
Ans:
5h29m18s
